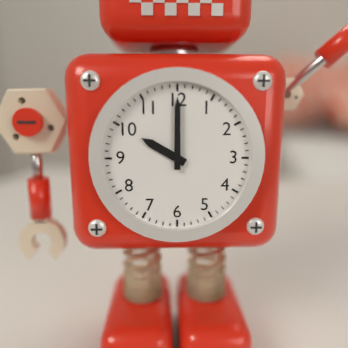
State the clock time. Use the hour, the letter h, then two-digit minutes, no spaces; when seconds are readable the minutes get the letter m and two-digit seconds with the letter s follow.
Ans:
10h00
